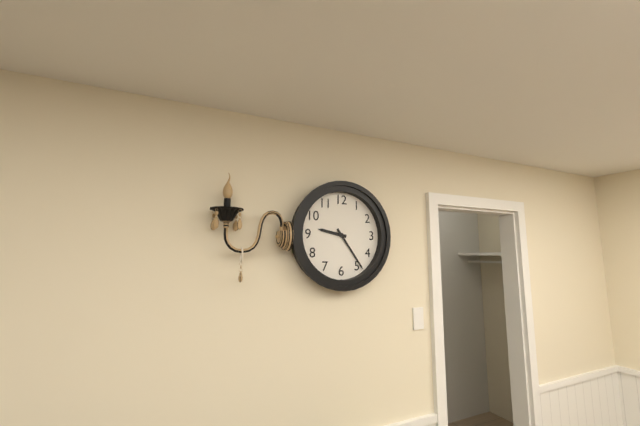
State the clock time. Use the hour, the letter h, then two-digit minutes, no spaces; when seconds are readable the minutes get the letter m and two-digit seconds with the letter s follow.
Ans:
9h24
